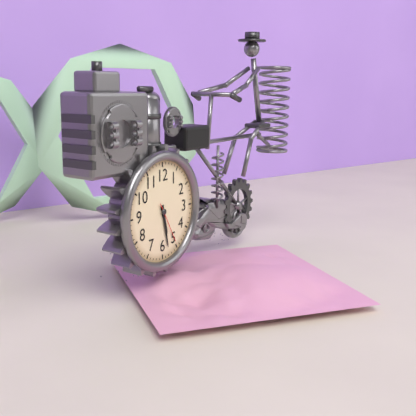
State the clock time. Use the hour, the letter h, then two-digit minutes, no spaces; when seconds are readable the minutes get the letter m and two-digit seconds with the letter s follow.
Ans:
5h28
